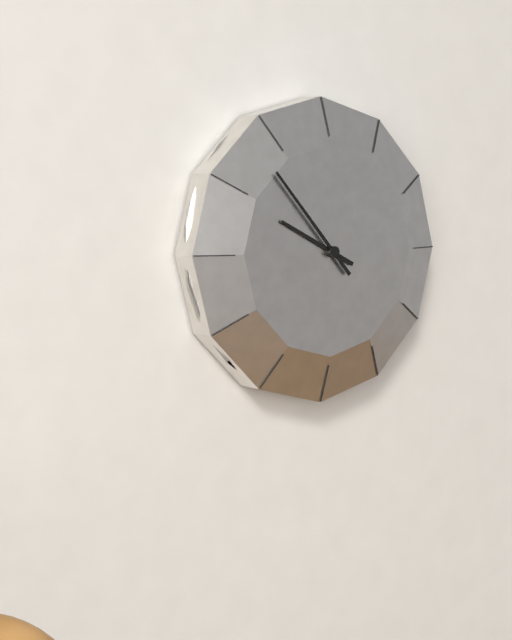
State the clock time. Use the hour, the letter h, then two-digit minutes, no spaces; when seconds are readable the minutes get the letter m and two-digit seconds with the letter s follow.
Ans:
9h53
